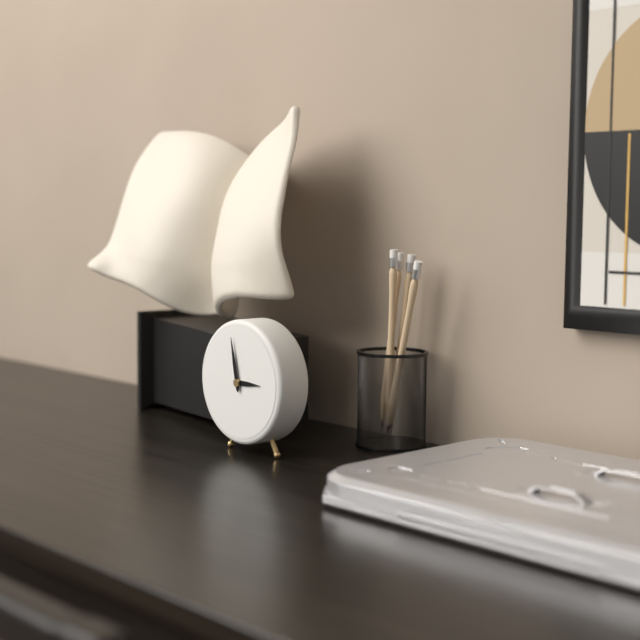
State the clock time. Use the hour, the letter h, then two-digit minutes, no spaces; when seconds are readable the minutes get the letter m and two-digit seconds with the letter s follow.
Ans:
2h58
